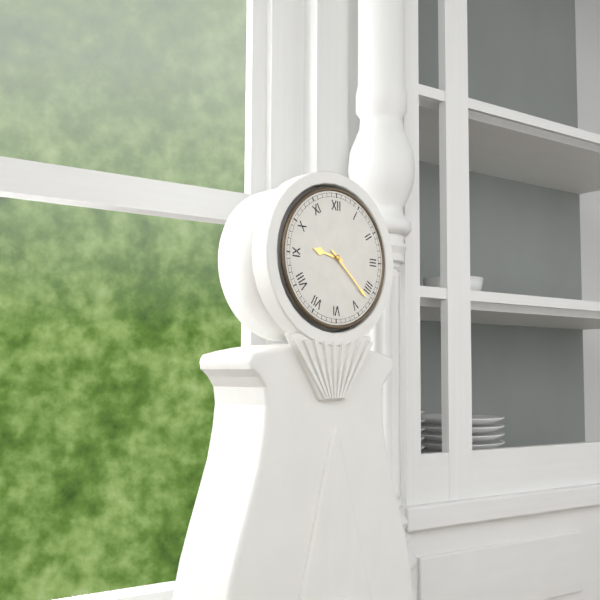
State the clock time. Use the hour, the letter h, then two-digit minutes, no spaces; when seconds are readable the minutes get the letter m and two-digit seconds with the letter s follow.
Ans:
9h22
